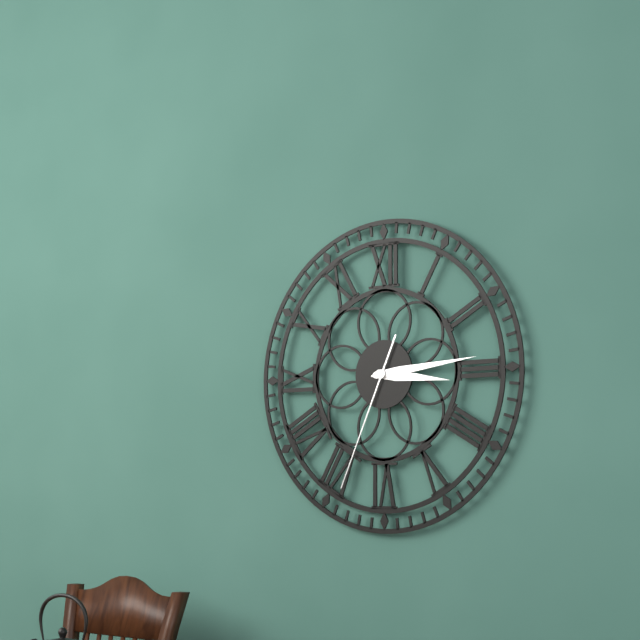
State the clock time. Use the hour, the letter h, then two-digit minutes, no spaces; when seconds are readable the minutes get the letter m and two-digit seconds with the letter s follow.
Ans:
3h14m34s
